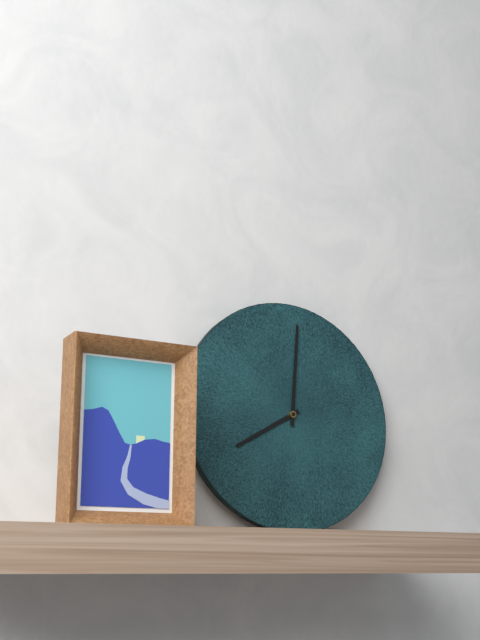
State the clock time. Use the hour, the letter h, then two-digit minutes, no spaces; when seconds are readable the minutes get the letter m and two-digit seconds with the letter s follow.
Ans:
8h01
